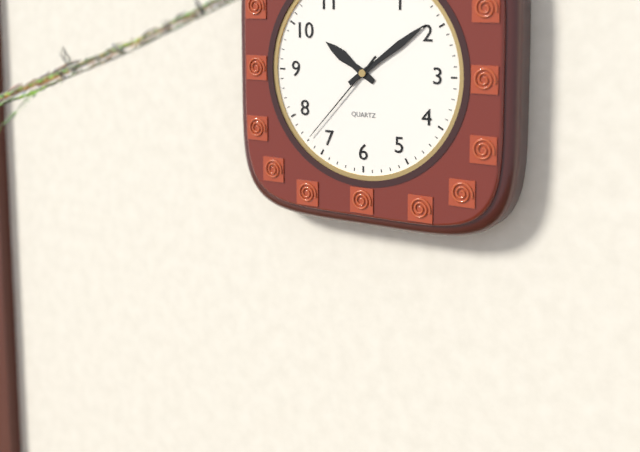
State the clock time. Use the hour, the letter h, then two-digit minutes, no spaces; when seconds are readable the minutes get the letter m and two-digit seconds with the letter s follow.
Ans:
10h09m37s
